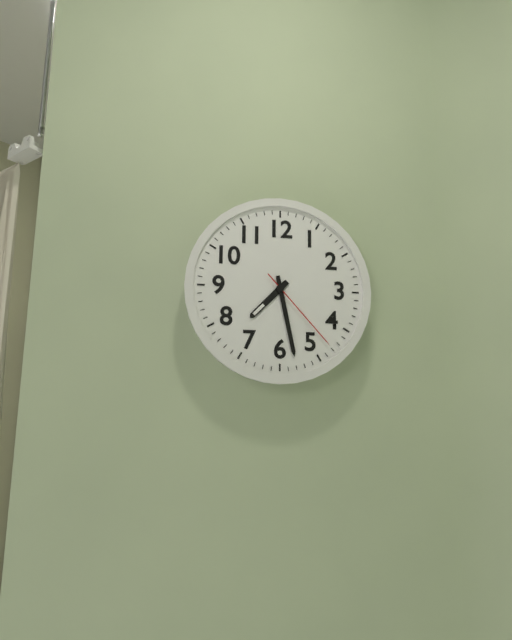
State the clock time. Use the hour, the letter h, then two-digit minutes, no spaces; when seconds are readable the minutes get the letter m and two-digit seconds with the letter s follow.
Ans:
7h28m23s
